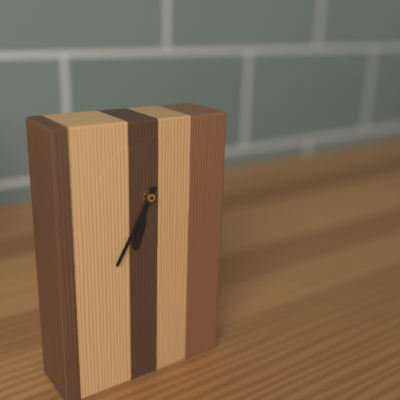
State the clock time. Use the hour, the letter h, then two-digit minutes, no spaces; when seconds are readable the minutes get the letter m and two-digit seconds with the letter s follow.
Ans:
6h35
